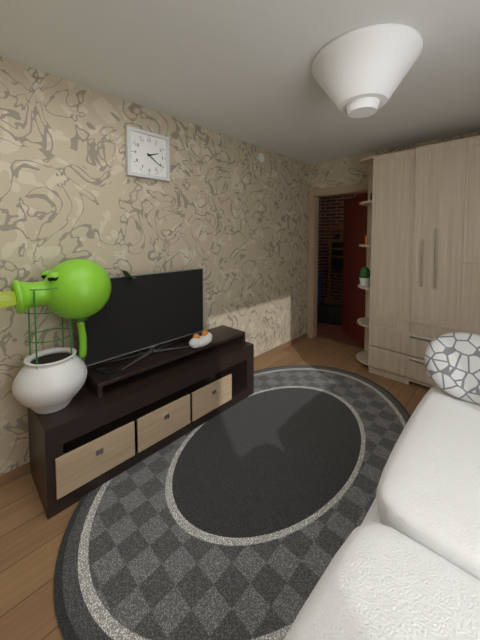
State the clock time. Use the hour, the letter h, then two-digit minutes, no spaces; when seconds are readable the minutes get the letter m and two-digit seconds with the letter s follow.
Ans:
2h21
